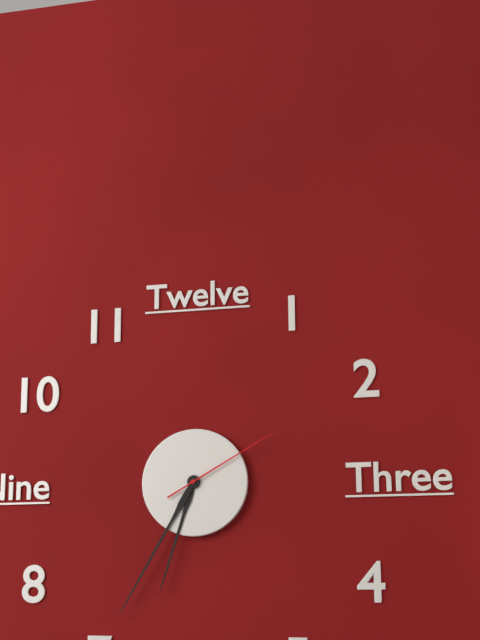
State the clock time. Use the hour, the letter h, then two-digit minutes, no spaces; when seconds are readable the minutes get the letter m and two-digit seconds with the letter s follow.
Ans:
6h35m10s
